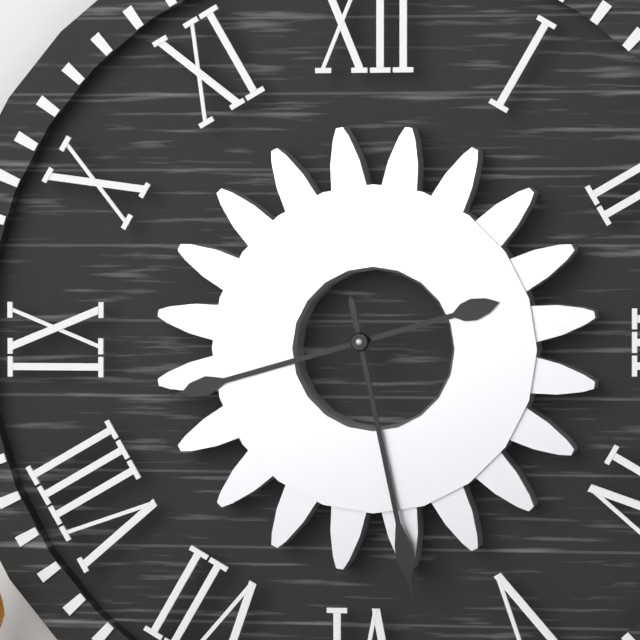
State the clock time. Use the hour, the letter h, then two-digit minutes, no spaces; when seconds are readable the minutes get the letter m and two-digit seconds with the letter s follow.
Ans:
8h28
